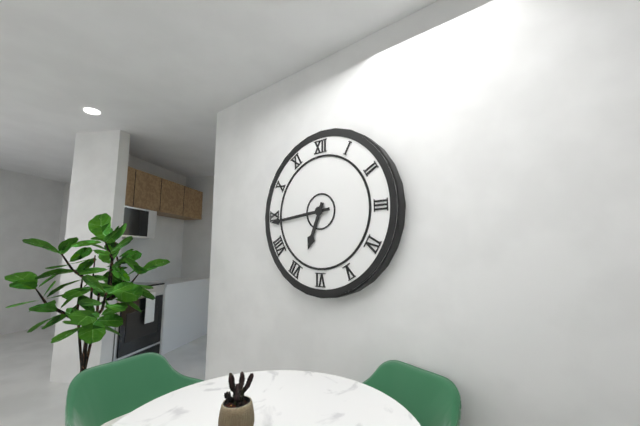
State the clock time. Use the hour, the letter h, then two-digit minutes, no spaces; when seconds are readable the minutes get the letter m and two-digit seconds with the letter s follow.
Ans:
6h44
